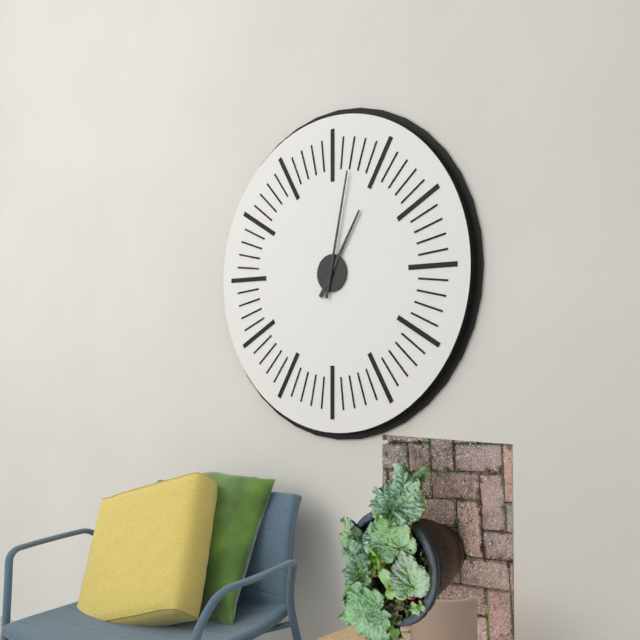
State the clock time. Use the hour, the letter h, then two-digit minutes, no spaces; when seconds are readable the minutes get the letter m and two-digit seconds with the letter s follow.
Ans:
1h02
